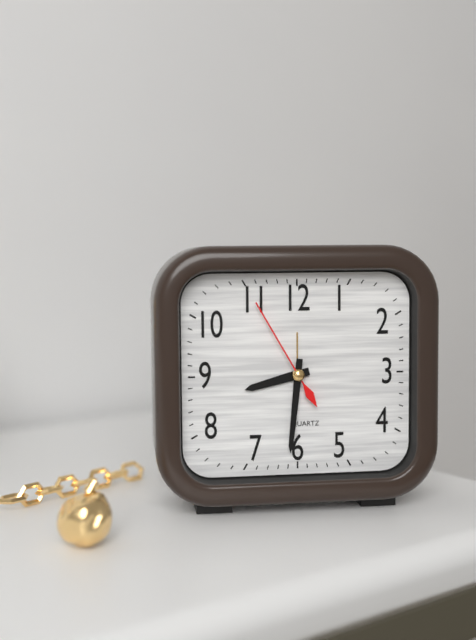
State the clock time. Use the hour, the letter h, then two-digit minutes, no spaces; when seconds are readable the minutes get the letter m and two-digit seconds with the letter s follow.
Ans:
8h31m55s
